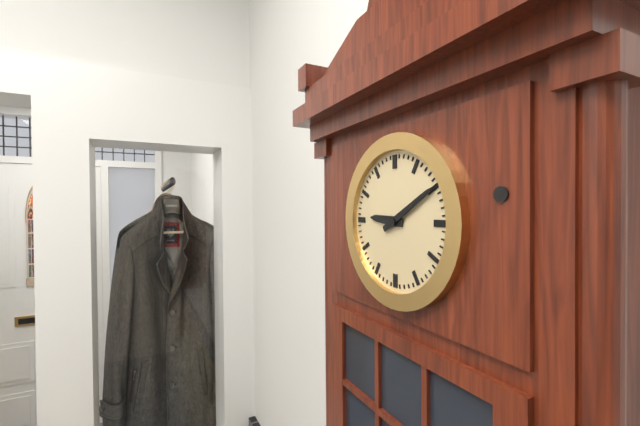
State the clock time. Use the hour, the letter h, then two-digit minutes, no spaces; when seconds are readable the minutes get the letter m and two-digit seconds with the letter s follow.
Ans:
9h10
